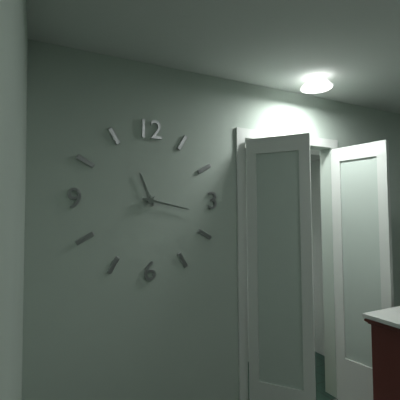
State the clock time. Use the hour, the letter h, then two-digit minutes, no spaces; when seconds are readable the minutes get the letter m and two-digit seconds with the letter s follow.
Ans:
11h17
